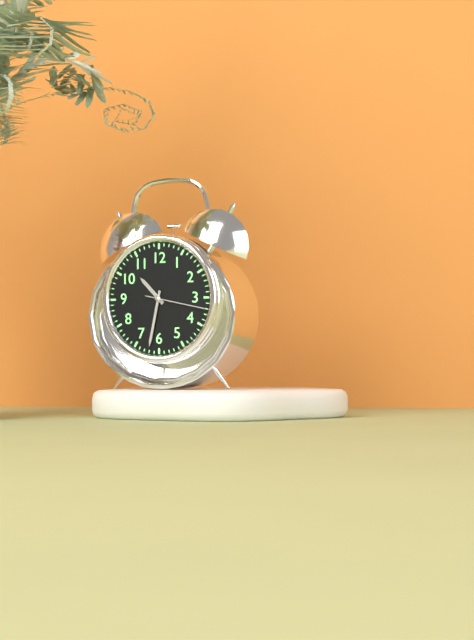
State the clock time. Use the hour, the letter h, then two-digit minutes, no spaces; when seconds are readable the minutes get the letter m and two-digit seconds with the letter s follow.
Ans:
10h32m17s
